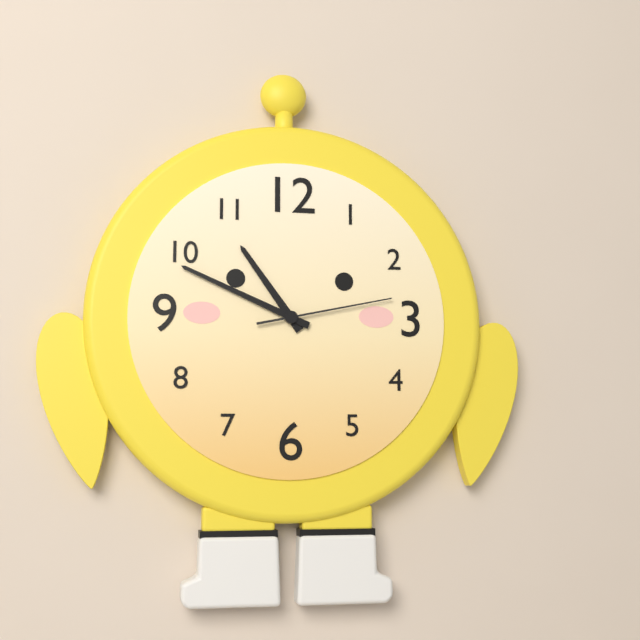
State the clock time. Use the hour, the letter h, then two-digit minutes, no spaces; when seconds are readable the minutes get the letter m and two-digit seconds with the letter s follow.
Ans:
10h49m13s
